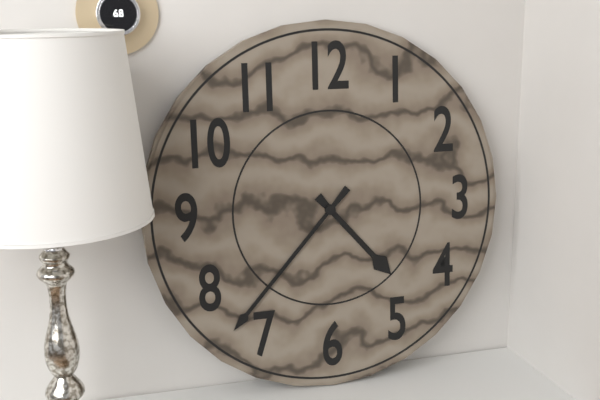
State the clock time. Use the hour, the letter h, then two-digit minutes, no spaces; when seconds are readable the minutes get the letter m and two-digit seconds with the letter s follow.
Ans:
4h37
